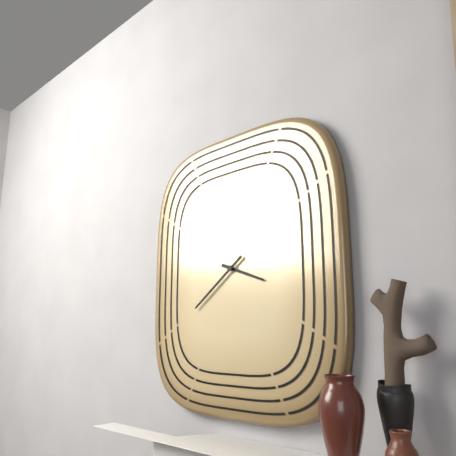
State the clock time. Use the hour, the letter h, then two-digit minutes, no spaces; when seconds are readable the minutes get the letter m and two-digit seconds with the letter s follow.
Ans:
3h39
